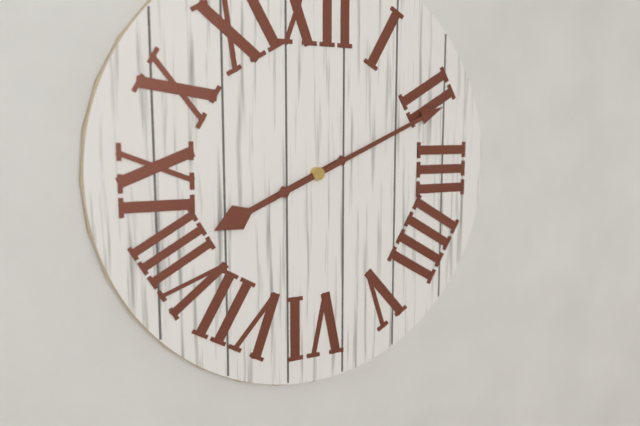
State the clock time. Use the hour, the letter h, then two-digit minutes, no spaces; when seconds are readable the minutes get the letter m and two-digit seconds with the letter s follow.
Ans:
8h11
